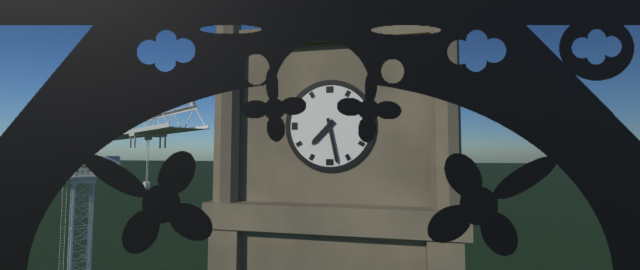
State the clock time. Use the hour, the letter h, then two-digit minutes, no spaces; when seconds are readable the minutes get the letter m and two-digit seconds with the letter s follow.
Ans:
7h28
